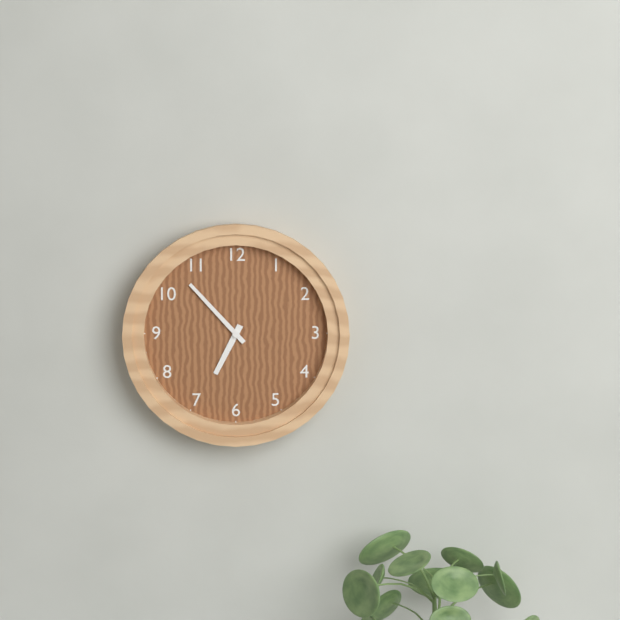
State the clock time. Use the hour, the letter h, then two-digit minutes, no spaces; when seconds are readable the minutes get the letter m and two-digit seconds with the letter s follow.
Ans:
6h53
